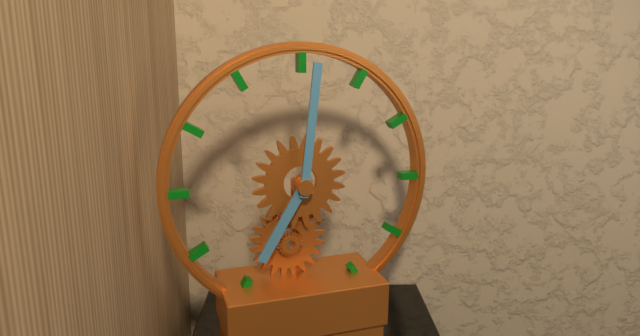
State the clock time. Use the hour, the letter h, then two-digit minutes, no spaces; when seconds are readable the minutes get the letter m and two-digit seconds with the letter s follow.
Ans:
7h01
